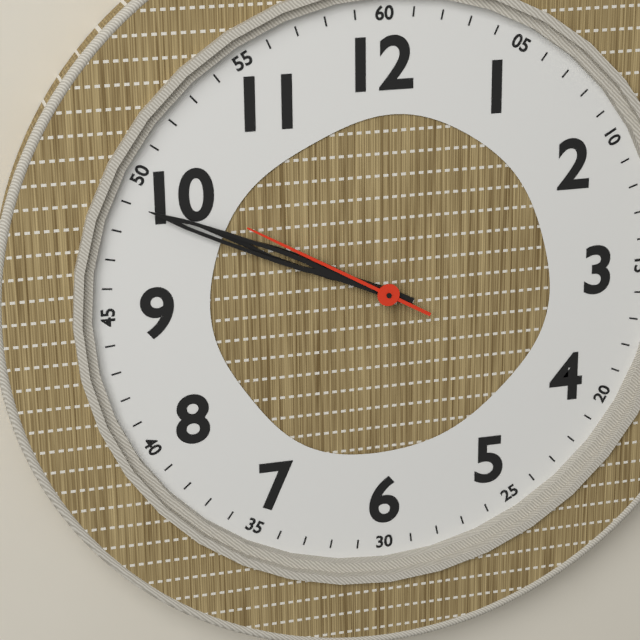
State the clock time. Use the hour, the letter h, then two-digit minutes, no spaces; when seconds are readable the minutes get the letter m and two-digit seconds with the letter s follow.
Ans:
9h49m50s
